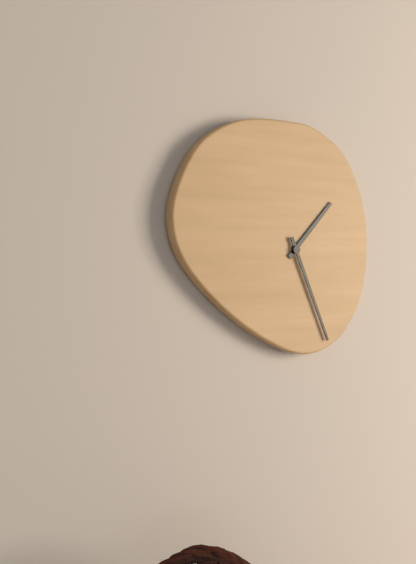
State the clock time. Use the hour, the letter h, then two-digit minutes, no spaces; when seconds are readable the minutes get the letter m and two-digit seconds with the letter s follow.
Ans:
1h26
